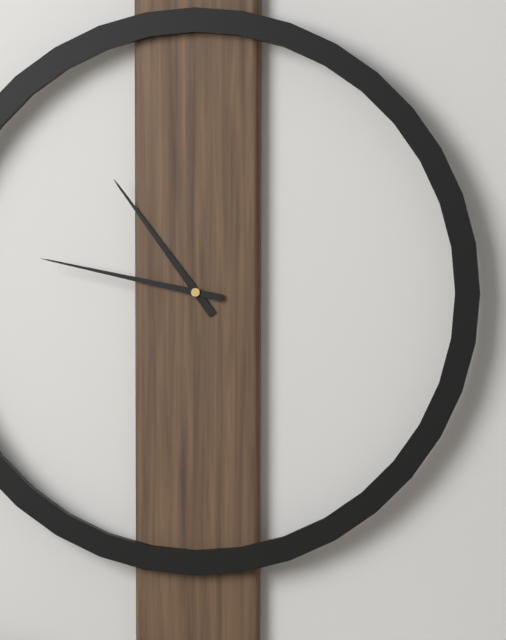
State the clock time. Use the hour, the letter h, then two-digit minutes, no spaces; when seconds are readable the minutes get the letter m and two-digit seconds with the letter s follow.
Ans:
10h47
